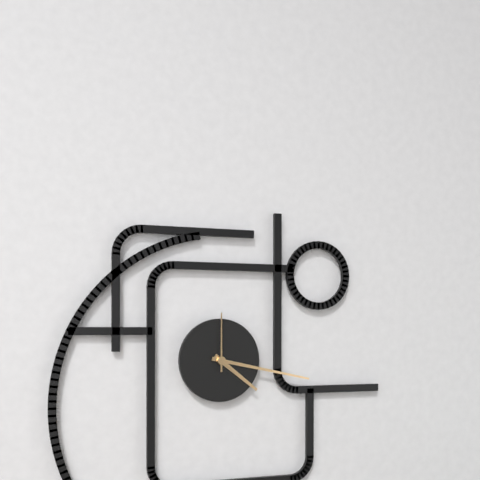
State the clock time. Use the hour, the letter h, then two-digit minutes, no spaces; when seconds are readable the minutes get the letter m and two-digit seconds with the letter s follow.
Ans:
4h17m00s
